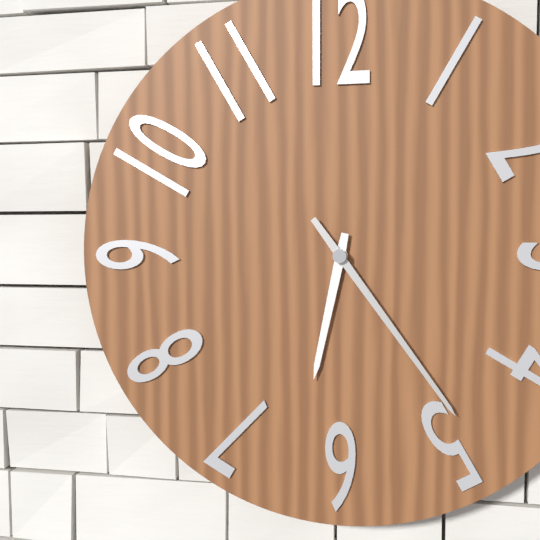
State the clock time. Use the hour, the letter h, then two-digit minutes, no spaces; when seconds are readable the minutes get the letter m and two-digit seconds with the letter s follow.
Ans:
6h24
